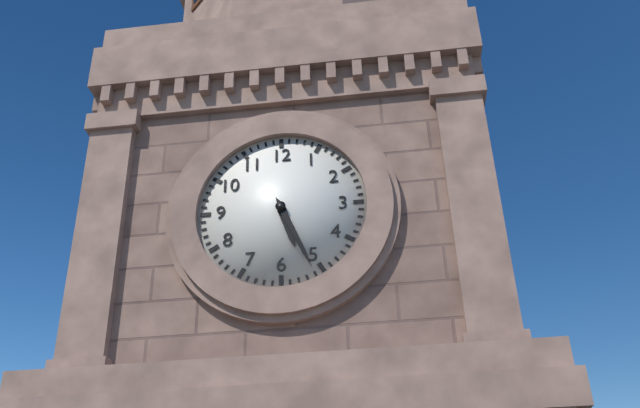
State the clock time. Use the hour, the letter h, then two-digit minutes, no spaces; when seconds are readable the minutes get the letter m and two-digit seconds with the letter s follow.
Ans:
5h26
